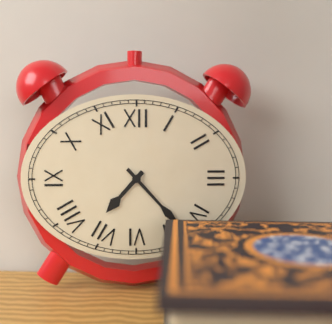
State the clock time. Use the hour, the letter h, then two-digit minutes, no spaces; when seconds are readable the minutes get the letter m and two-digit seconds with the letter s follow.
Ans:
7h23
